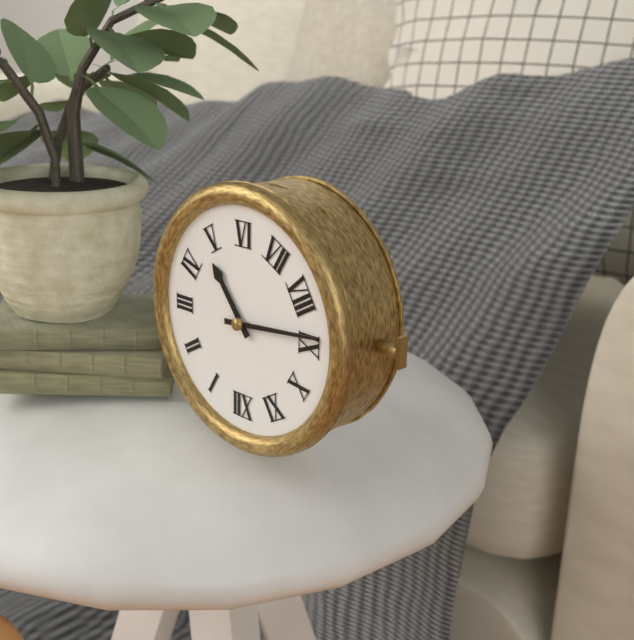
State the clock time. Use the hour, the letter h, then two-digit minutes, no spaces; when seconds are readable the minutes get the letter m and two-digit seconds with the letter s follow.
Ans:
4h44
